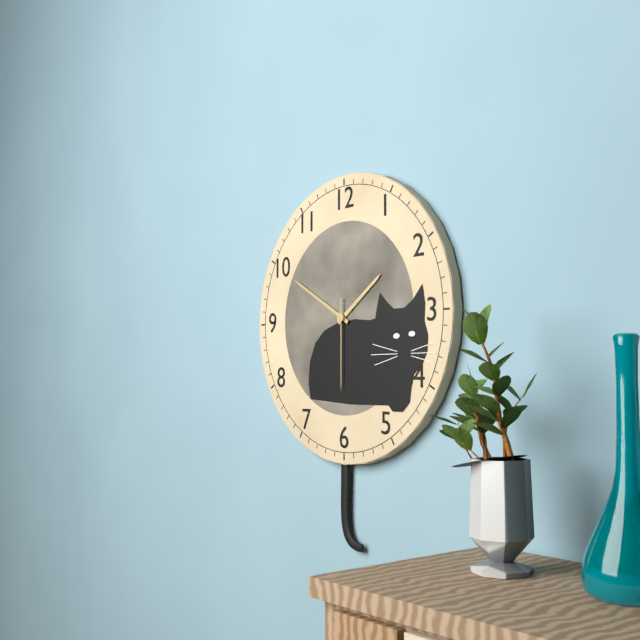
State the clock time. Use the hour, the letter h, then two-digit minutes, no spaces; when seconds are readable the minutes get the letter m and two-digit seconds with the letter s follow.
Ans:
1h50m30s
